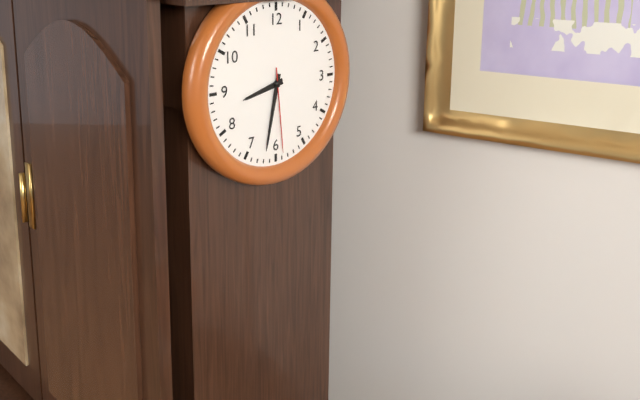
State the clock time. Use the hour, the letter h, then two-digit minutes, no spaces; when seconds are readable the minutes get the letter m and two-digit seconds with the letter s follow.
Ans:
8h32m29s
